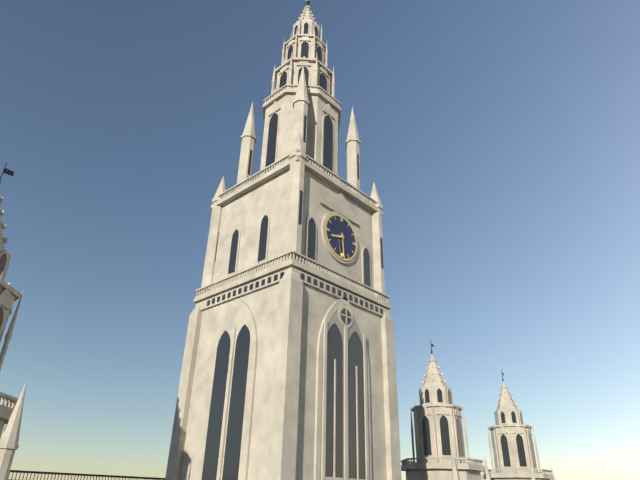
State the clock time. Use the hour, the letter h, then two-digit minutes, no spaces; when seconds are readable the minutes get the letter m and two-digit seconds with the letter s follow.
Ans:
8h29
